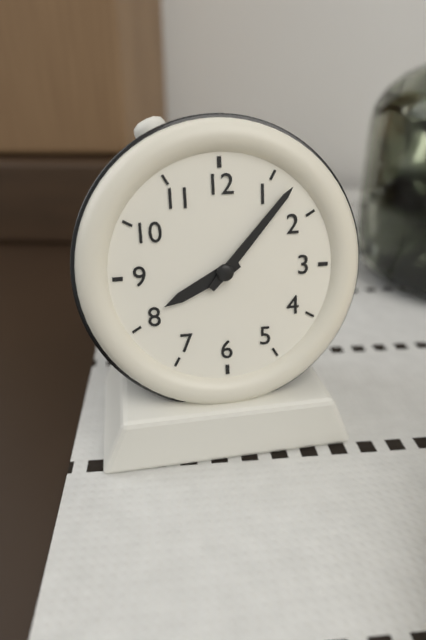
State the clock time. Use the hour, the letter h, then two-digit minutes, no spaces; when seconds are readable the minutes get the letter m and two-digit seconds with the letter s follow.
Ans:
8h07
